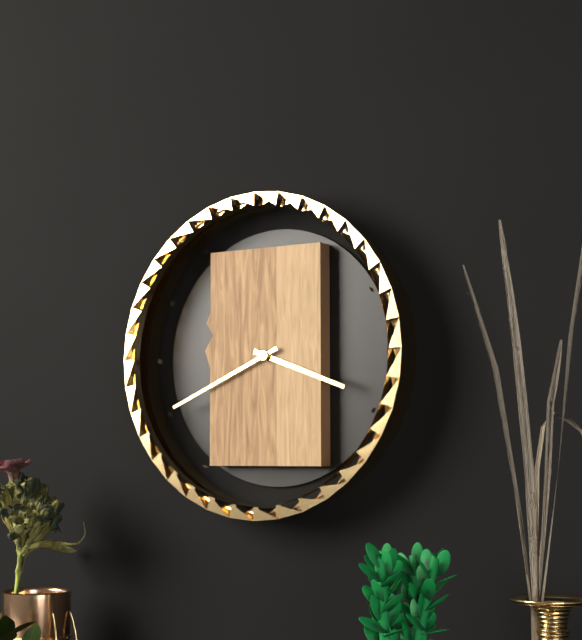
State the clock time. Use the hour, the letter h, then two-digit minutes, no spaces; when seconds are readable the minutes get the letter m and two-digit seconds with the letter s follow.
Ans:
3h41
